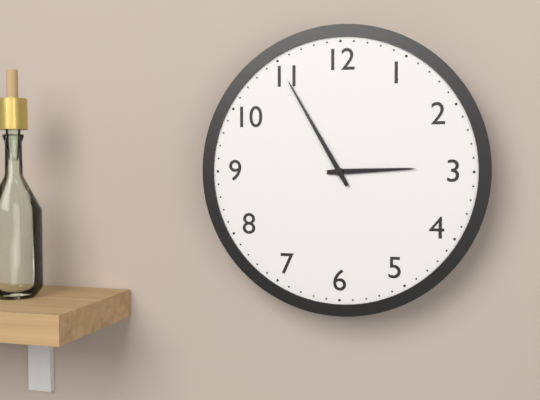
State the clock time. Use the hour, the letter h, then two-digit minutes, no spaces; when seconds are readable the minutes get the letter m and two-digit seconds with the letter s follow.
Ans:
2h55
